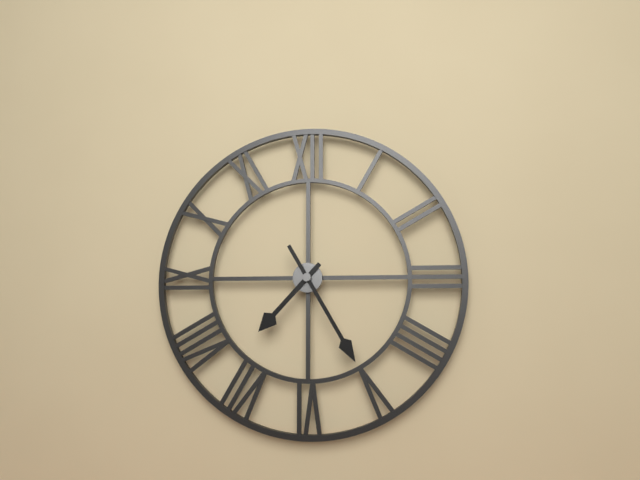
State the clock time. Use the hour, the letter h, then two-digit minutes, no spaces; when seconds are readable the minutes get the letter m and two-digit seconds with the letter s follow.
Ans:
7h25
